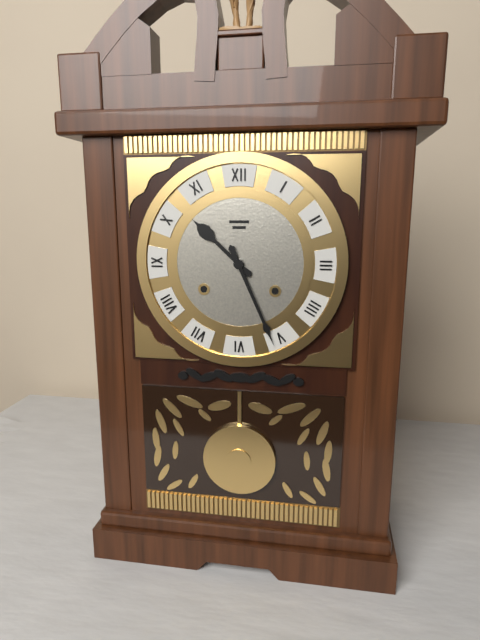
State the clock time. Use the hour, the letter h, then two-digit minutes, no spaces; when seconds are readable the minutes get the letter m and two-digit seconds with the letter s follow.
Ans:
10h26
